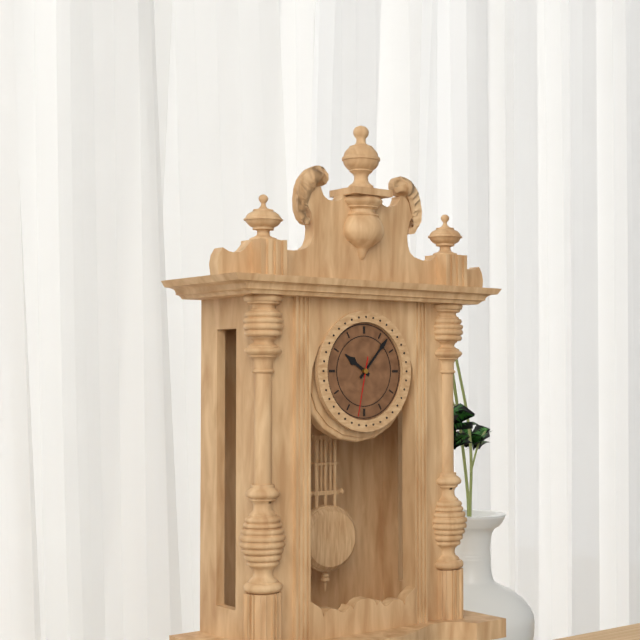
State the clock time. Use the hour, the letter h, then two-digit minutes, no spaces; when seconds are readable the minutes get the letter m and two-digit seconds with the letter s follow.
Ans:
10h07m32s
